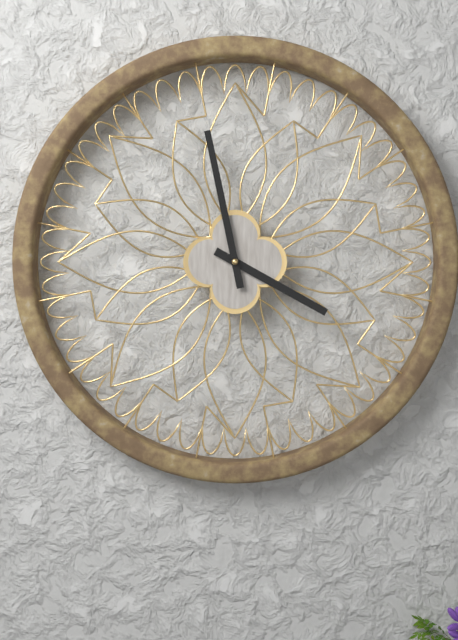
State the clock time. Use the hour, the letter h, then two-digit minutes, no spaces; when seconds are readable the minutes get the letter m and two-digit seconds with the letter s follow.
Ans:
3h58
